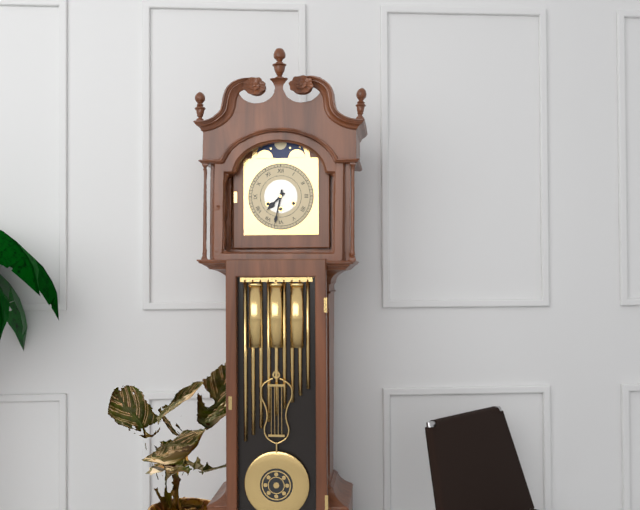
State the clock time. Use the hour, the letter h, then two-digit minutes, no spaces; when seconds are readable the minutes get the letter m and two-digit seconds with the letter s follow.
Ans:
7h32
